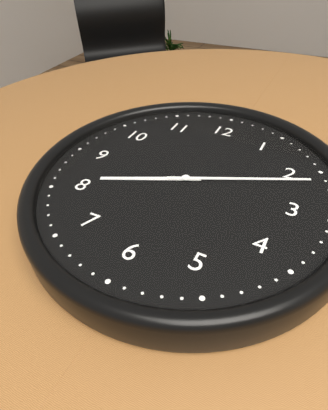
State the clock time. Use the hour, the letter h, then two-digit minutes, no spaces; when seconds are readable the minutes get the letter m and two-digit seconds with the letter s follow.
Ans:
8h11
